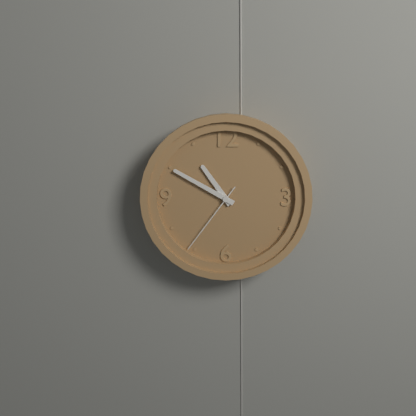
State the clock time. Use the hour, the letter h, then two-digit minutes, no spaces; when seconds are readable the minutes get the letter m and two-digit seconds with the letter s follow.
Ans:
10h50m36s
